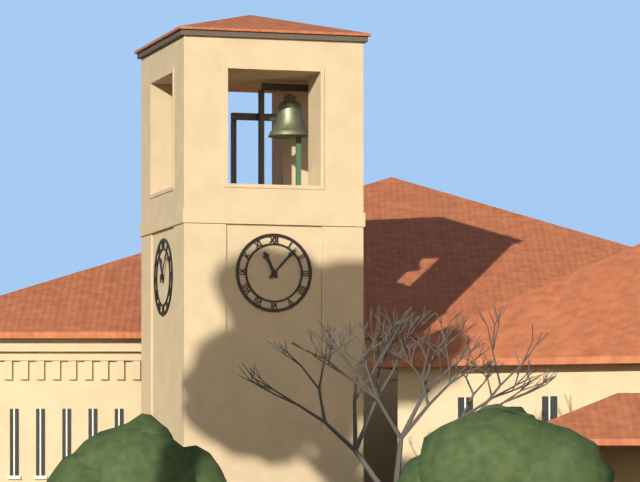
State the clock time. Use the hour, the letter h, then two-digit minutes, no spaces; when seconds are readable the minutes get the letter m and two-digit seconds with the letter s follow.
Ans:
11h07
